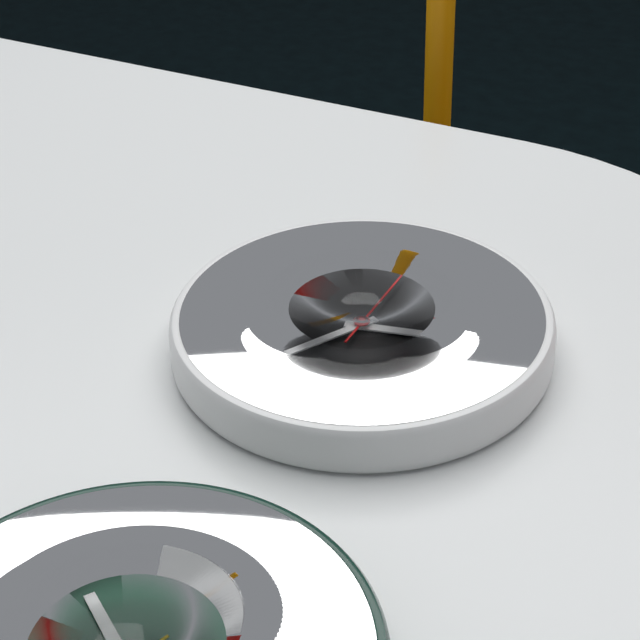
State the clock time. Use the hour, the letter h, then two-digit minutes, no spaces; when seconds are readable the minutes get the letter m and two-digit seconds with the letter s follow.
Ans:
2h35m00s
